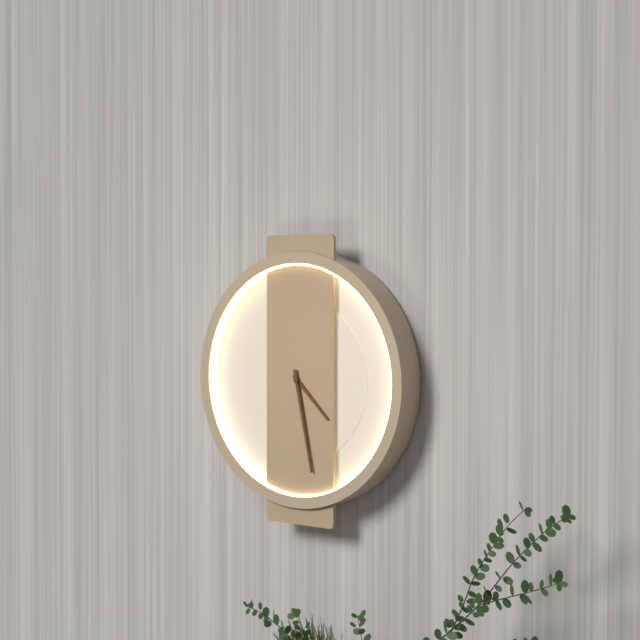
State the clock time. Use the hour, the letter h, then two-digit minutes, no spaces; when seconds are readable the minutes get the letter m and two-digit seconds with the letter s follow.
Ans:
4h28
